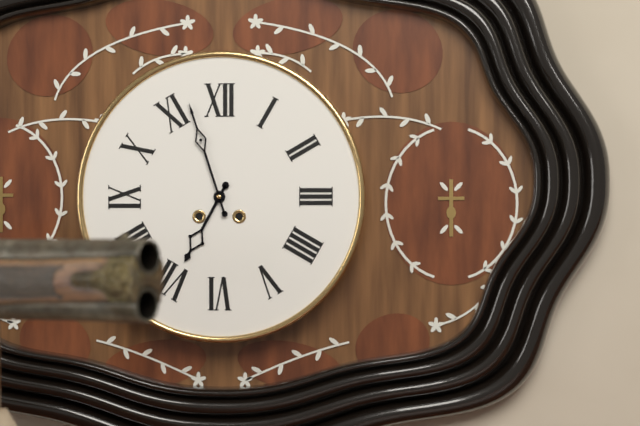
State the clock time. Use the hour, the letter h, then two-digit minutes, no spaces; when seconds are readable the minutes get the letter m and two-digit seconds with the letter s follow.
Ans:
6h57
